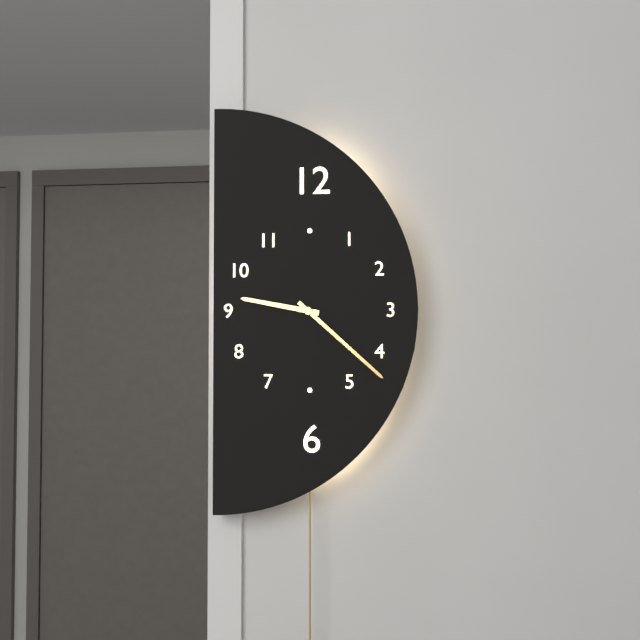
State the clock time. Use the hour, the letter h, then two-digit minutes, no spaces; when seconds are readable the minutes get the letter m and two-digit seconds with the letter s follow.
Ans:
9h22
